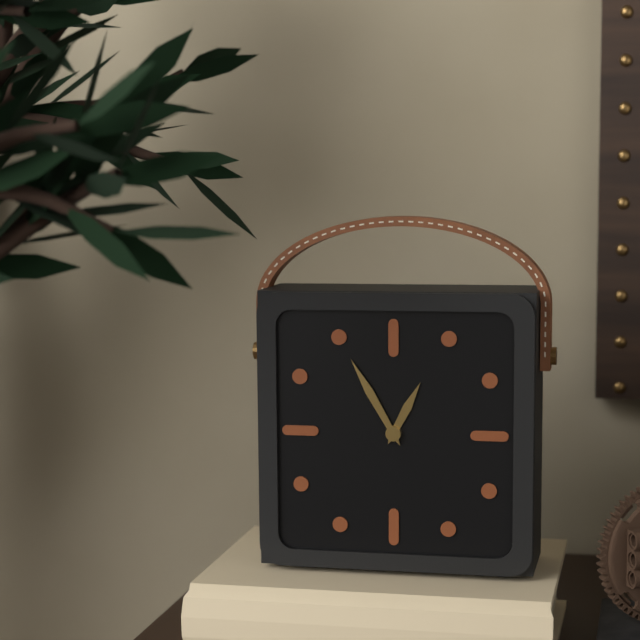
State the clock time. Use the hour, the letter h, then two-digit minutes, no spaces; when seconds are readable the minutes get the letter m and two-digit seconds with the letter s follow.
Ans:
12h55
